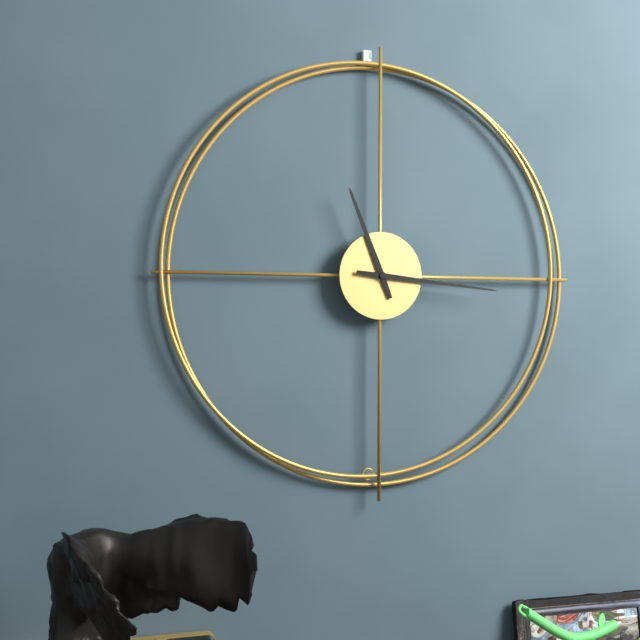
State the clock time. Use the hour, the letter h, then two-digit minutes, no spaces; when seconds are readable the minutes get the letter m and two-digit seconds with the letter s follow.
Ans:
11h16
